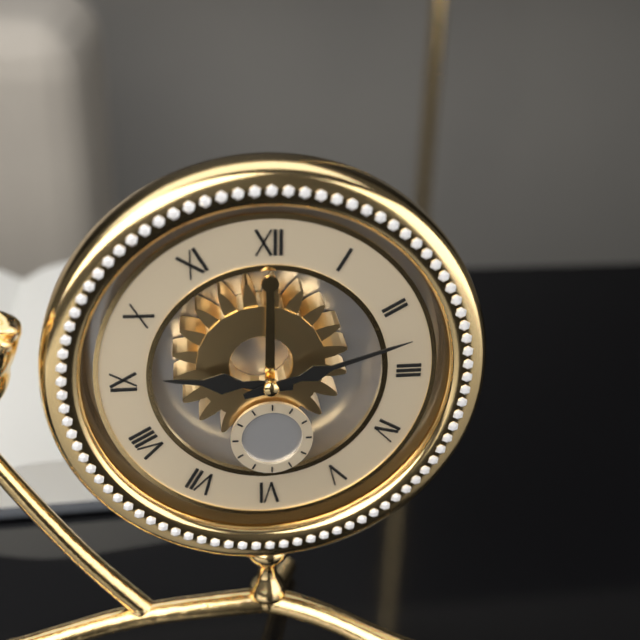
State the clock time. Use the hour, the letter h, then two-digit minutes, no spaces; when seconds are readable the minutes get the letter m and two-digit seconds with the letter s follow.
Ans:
9h12
